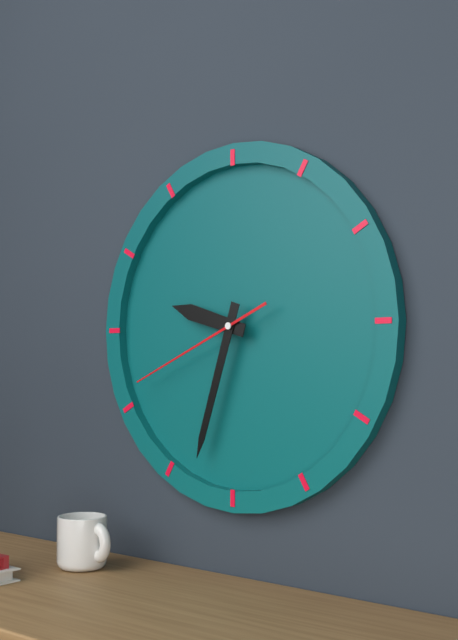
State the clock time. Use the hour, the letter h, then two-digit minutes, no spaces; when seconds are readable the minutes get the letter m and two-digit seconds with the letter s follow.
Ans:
9h33m41s
